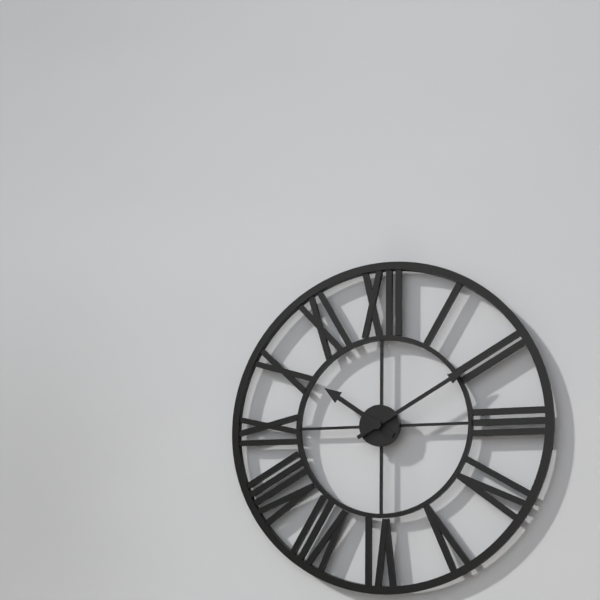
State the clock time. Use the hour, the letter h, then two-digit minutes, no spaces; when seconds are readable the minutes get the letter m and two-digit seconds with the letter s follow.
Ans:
10h10
